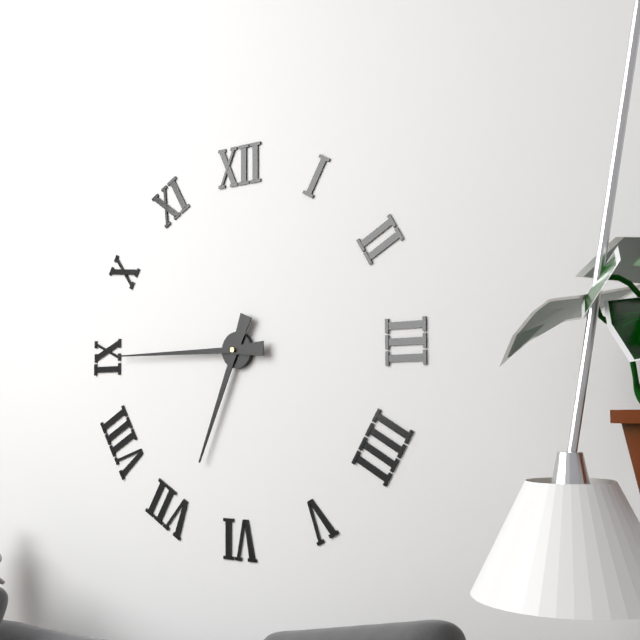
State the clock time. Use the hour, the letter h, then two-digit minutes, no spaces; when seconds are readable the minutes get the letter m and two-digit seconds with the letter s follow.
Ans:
6h45
